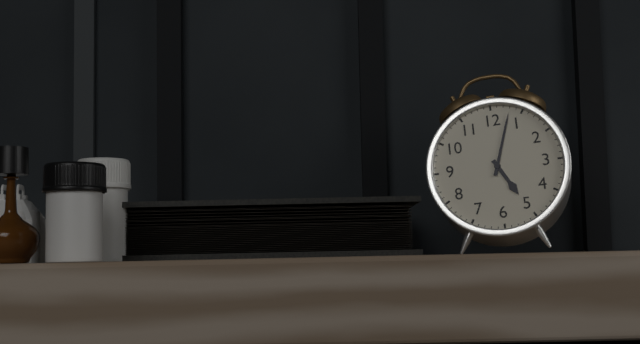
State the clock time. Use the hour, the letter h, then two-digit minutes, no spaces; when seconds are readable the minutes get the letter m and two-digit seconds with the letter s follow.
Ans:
5h03
